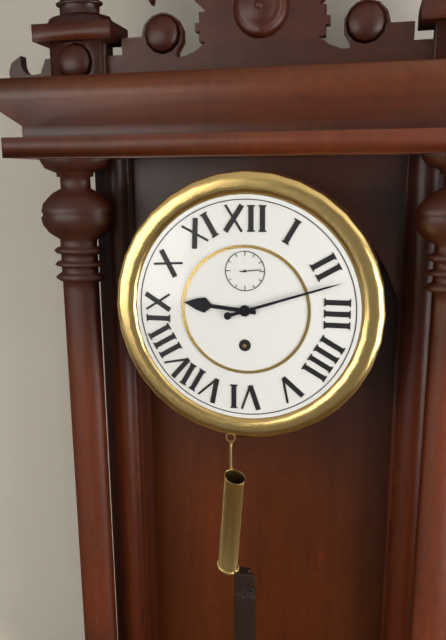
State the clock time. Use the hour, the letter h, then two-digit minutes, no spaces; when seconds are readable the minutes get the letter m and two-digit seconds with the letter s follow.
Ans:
9h12
